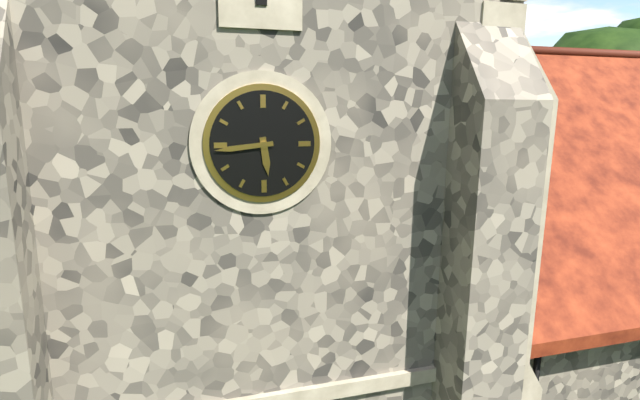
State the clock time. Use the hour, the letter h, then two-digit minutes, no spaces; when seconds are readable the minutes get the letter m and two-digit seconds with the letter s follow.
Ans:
5h44
